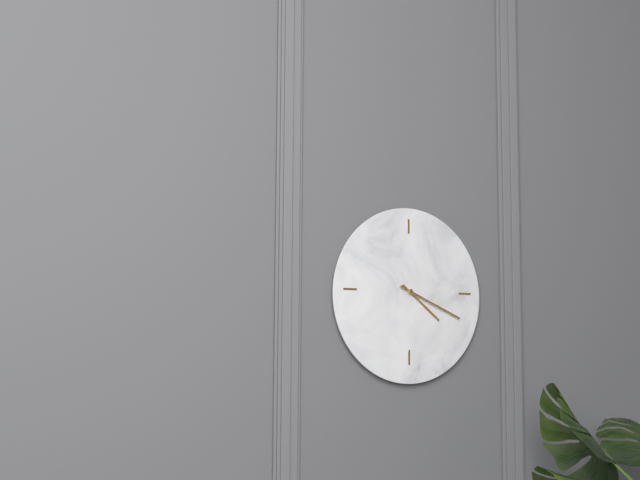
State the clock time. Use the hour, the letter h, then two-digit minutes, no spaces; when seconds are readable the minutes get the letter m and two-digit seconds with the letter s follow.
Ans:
4h19
